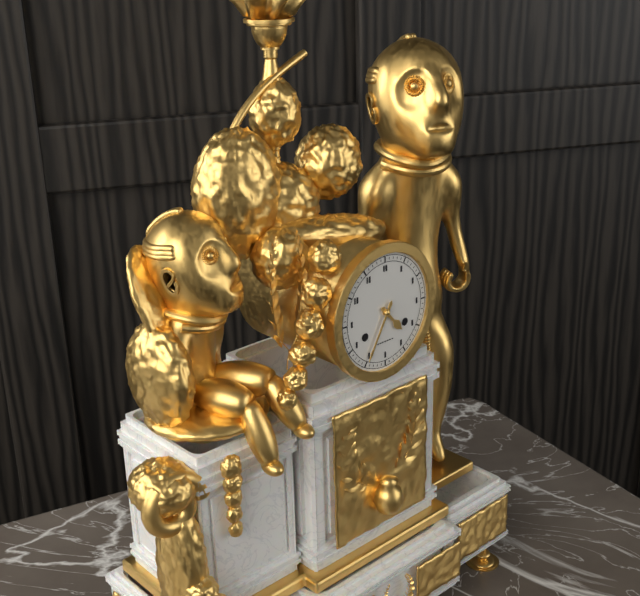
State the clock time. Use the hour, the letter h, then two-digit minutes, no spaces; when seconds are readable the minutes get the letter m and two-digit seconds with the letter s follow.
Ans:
4h35
